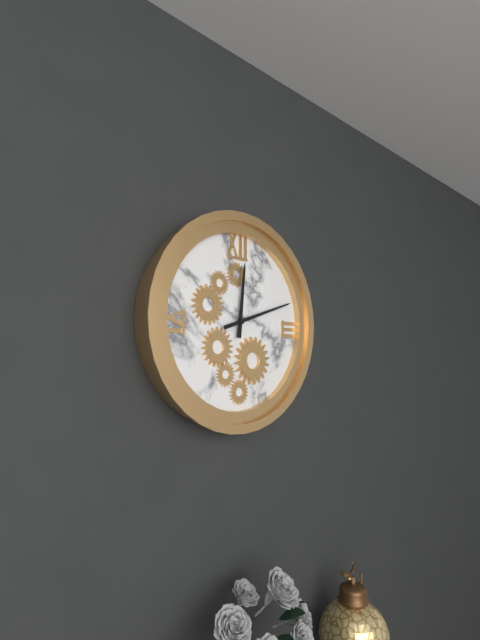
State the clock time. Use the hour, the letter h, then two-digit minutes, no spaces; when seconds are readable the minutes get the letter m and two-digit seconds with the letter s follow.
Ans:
12h12
